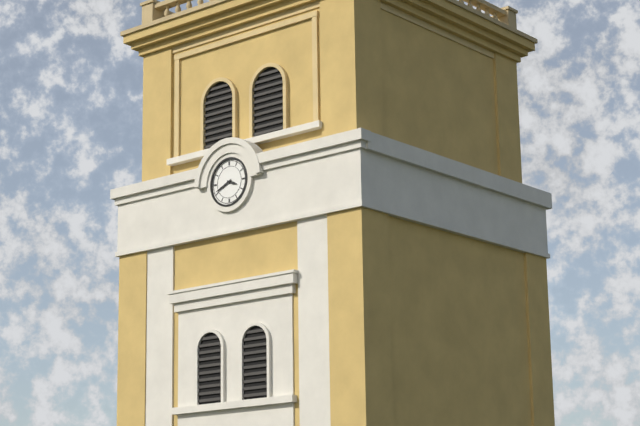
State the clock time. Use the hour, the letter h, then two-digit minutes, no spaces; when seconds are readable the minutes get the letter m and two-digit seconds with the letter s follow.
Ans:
3h41
